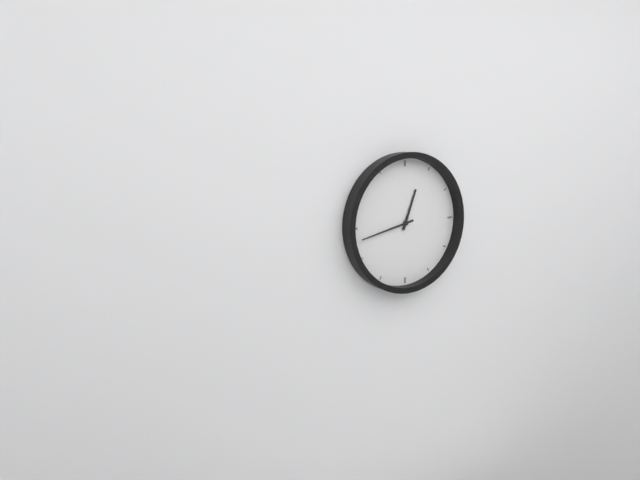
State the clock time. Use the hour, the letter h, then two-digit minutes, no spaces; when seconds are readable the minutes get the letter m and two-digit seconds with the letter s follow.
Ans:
12h43
